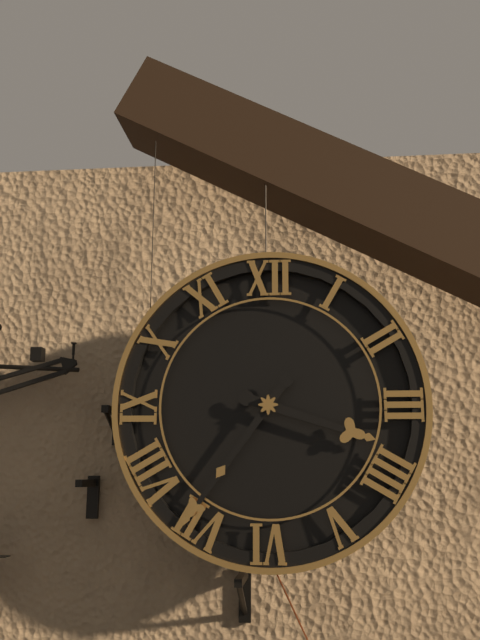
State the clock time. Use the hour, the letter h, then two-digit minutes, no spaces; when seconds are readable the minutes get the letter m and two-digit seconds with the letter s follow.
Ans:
3h36
